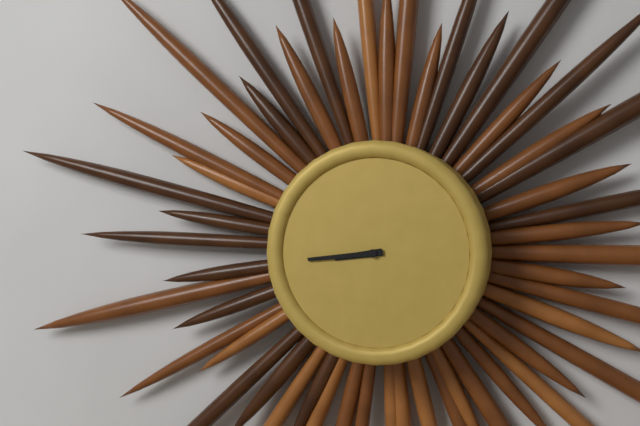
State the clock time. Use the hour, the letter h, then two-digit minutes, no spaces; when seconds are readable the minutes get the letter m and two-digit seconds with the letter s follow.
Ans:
8h44
